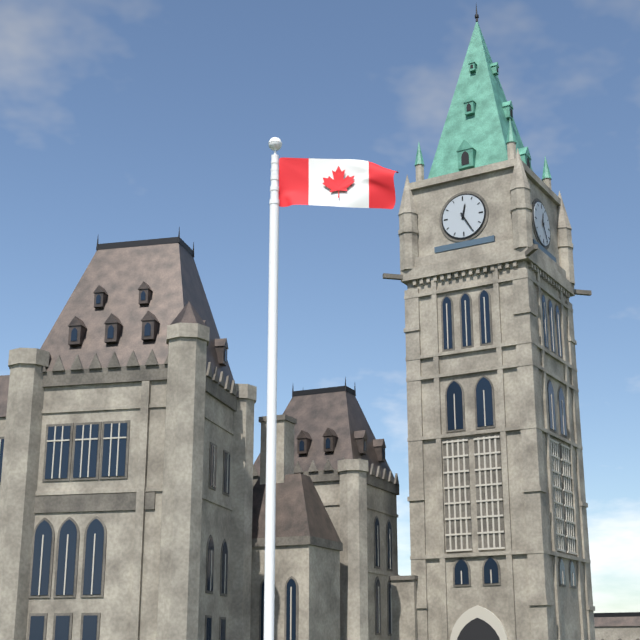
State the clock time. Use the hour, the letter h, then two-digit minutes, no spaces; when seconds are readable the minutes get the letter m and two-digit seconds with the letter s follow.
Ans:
12h25
